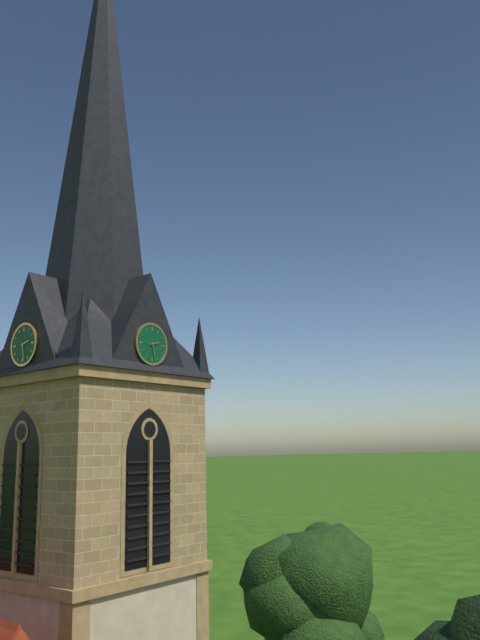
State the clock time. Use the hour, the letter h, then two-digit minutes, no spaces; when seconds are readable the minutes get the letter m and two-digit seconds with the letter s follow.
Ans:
2h28
